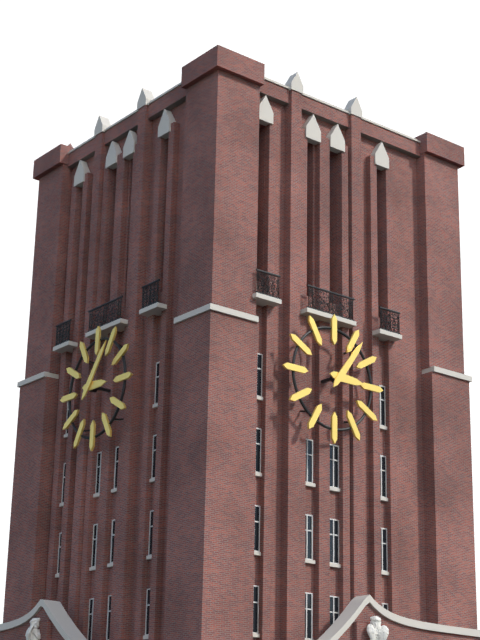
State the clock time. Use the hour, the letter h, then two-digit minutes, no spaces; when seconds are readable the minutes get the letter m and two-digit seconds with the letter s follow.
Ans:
3h06
